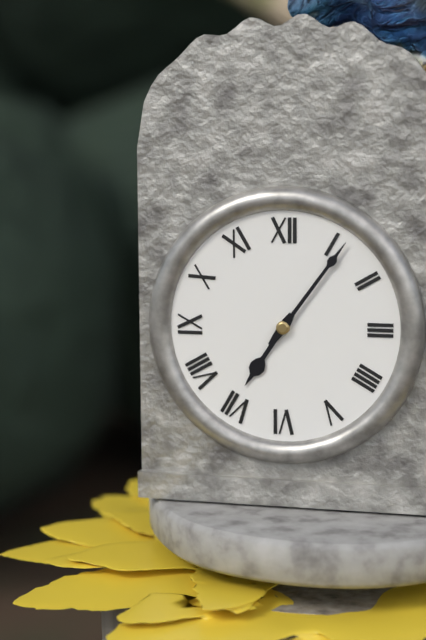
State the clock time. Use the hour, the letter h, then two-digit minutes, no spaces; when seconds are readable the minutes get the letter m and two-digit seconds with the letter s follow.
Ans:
7h06
